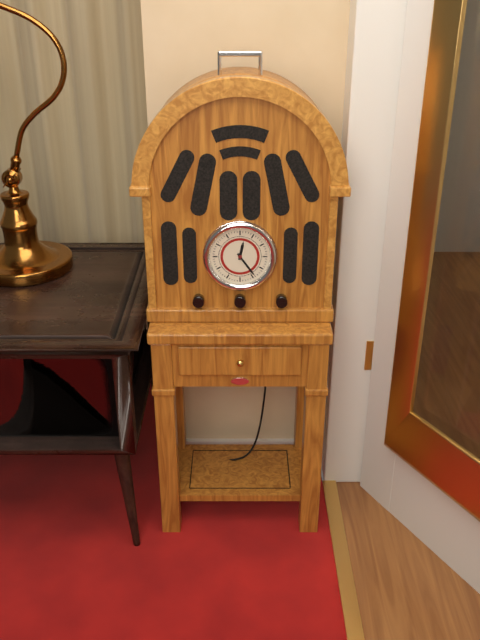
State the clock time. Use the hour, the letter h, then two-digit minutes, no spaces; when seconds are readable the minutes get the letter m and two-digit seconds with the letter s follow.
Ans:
12h24
